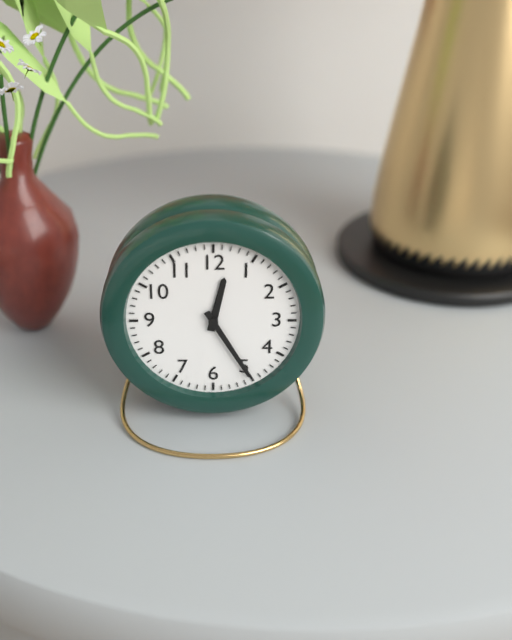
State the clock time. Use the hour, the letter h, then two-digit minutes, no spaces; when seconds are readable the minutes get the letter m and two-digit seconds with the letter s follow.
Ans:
12h25
